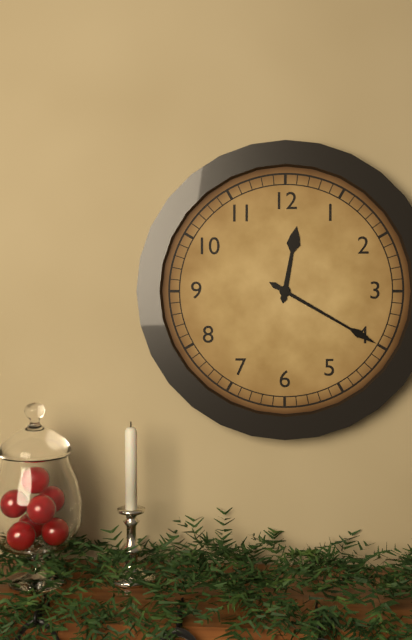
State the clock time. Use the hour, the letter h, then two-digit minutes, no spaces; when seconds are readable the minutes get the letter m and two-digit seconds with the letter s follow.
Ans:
12h20
